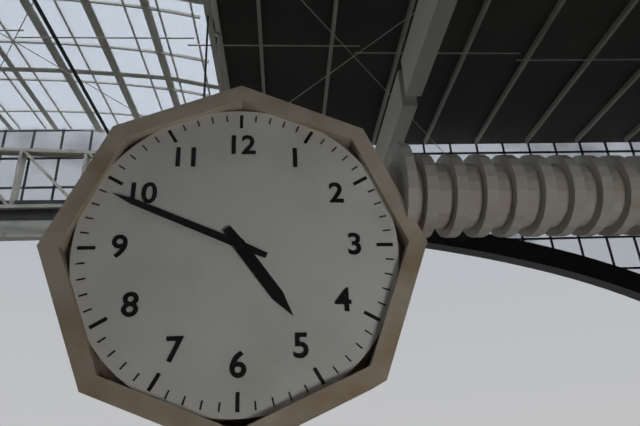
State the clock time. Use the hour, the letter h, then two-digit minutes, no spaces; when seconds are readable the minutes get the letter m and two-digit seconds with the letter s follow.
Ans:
4h49
